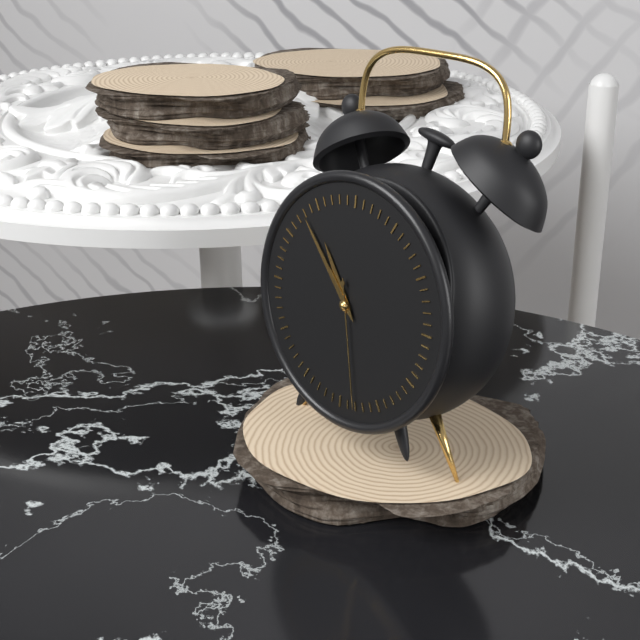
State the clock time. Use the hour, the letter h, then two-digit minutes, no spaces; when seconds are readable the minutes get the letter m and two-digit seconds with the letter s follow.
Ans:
10h53m28s
